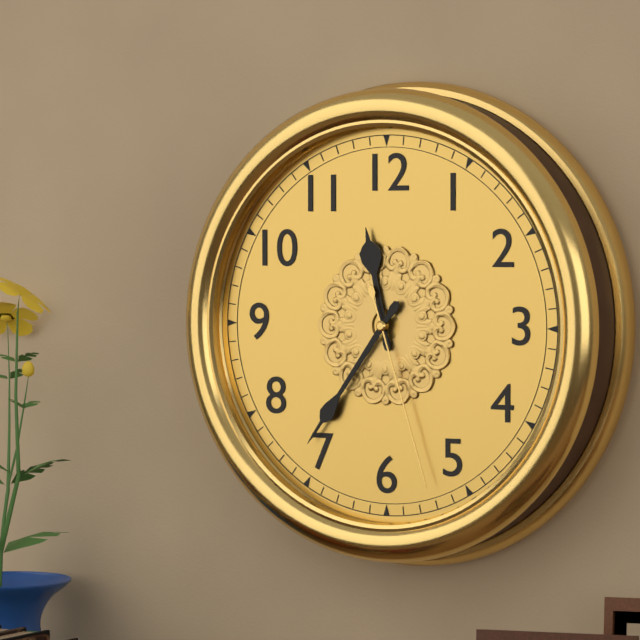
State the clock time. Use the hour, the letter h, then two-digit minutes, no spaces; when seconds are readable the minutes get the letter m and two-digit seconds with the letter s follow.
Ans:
11h36m27s
